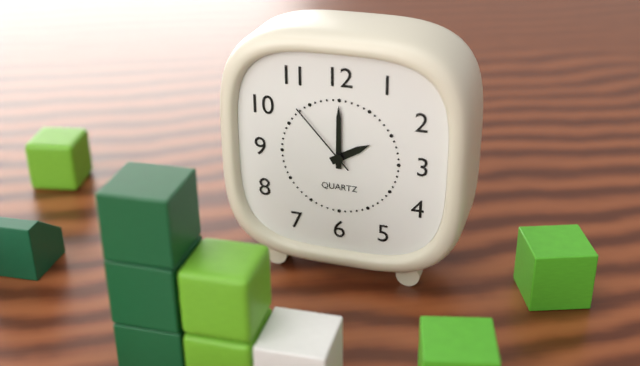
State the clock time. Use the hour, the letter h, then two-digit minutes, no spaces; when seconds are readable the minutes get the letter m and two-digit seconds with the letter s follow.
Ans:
2h00m53s
